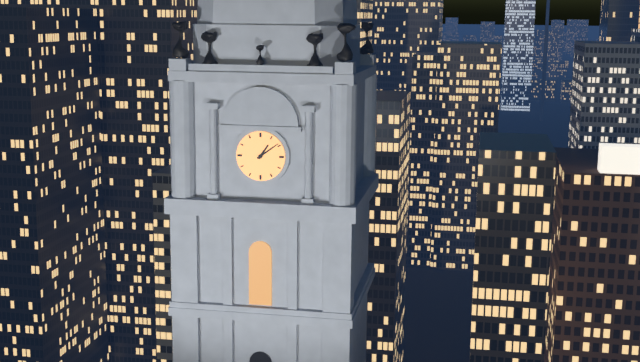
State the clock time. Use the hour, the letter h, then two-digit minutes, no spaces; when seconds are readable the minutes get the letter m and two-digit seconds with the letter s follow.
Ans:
1h09
